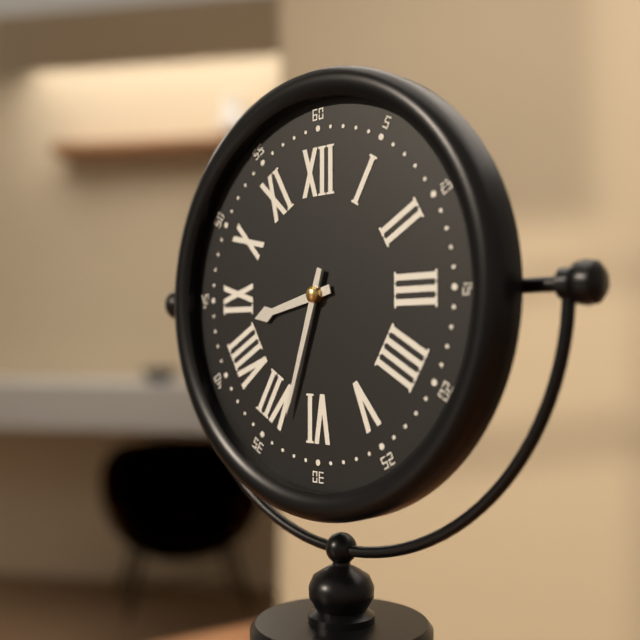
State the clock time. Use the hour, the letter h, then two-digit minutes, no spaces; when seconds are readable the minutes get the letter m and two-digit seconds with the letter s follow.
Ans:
8h33
